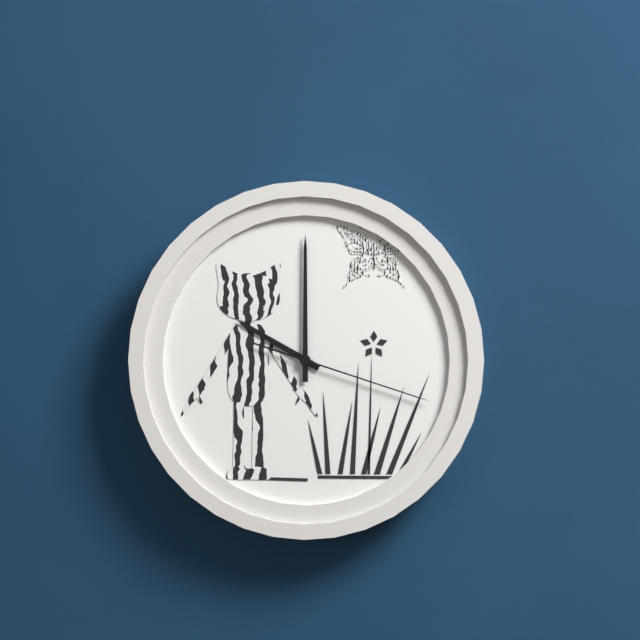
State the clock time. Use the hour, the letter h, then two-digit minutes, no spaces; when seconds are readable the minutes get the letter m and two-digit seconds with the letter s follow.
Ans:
10h00m18s
